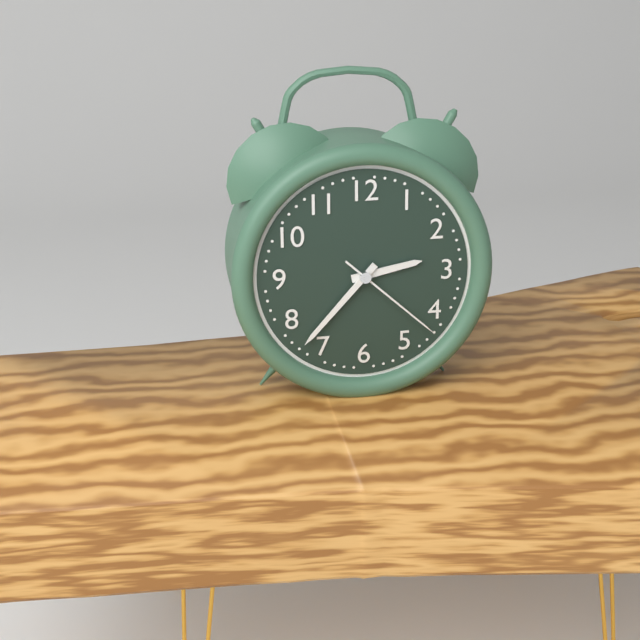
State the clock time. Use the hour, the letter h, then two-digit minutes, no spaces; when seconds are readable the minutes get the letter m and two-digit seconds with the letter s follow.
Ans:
2h37m22s
